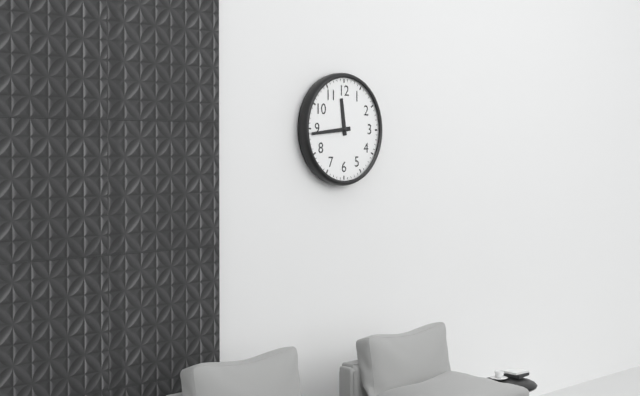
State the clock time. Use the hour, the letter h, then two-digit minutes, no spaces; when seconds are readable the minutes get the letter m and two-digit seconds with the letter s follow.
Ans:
11h44
